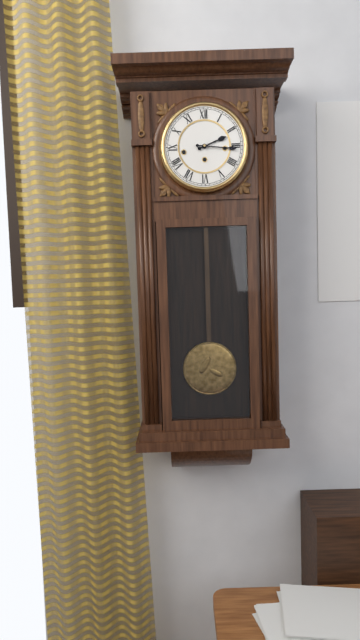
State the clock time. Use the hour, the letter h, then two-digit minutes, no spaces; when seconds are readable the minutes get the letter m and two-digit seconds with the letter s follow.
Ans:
2h16
